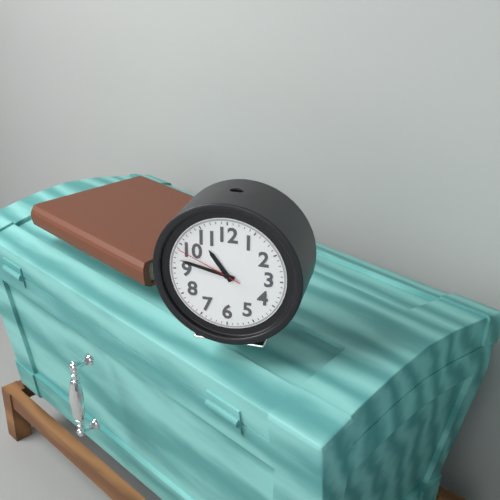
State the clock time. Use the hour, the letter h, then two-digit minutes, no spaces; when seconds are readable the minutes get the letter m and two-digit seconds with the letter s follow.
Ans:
10h47m49s
